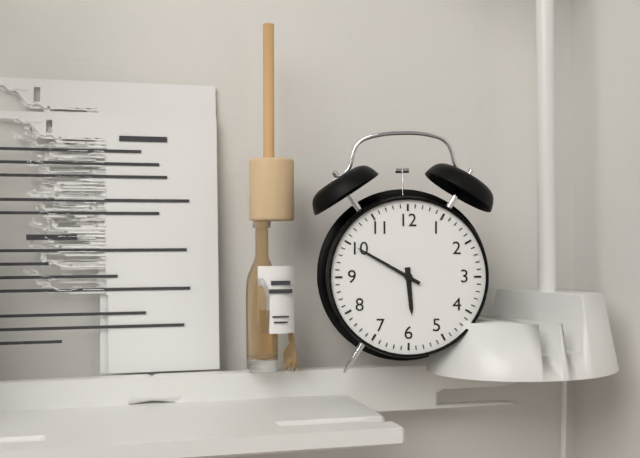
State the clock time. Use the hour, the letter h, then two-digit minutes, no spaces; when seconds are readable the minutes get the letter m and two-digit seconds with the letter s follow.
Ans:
5h50
